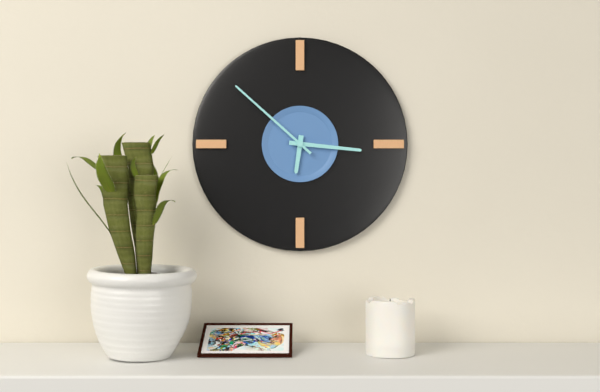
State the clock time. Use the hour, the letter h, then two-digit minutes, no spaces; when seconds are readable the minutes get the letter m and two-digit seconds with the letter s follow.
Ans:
6h16m52s
